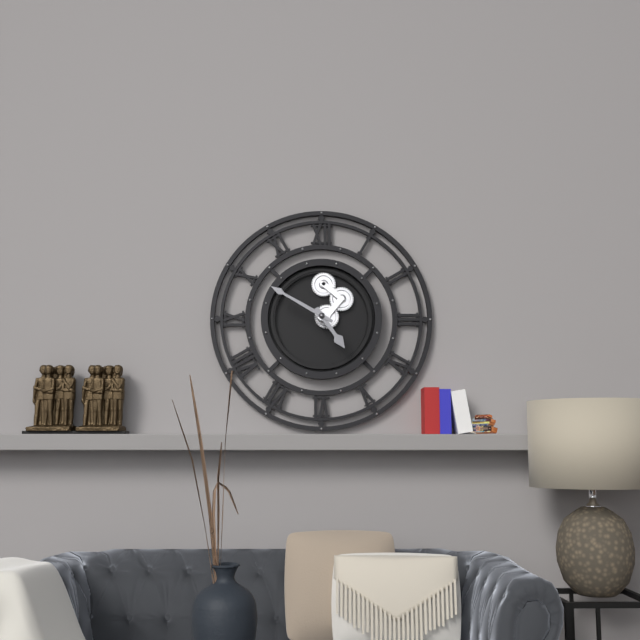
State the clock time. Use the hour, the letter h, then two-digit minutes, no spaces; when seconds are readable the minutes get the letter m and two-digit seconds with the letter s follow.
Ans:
4h50
